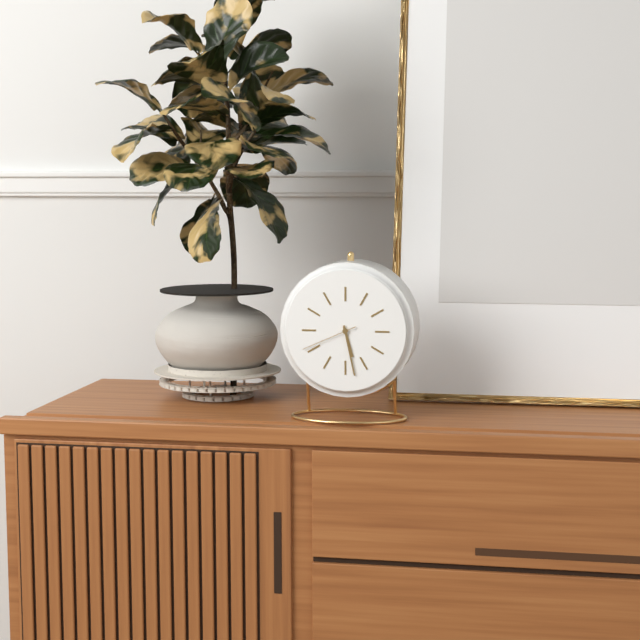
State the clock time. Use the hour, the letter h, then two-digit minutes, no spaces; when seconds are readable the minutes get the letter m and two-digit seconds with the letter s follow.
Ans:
5h28m41s
